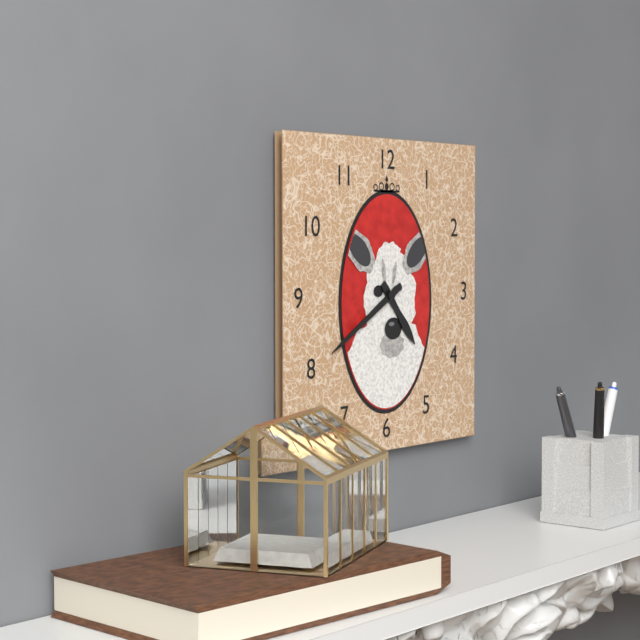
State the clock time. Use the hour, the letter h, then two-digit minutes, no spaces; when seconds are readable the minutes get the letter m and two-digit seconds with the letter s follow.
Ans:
4h40
